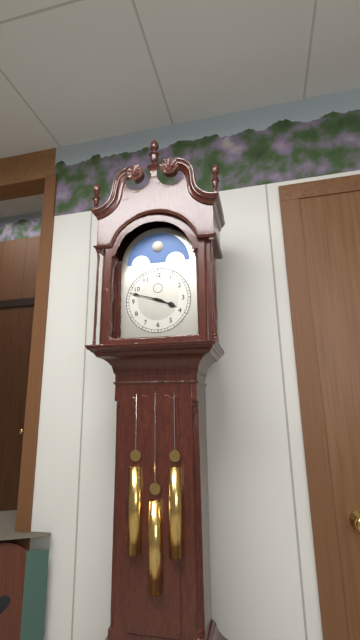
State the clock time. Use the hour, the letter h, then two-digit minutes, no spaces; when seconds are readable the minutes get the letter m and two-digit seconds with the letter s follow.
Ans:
3h48
